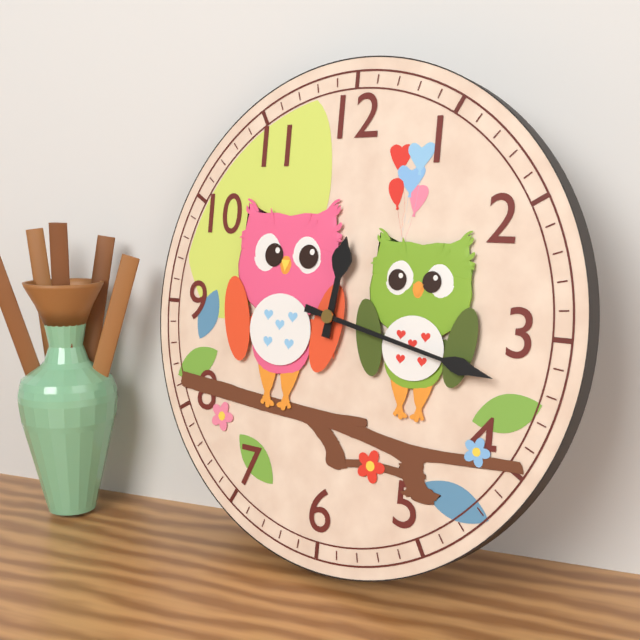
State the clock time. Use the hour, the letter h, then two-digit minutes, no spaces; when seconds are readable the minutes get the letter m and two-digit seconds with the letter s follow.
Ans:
12h17
